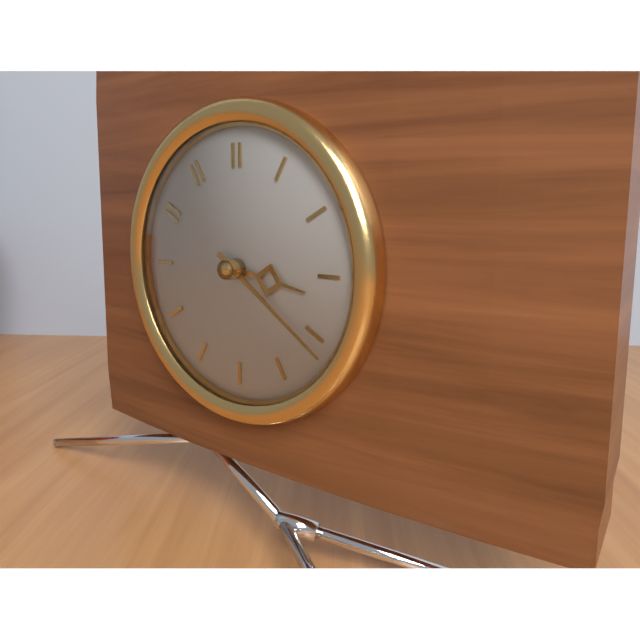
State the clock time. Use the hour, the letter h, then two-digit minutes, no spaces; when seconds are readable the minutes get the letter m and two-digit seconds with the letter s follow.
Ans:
3h21
